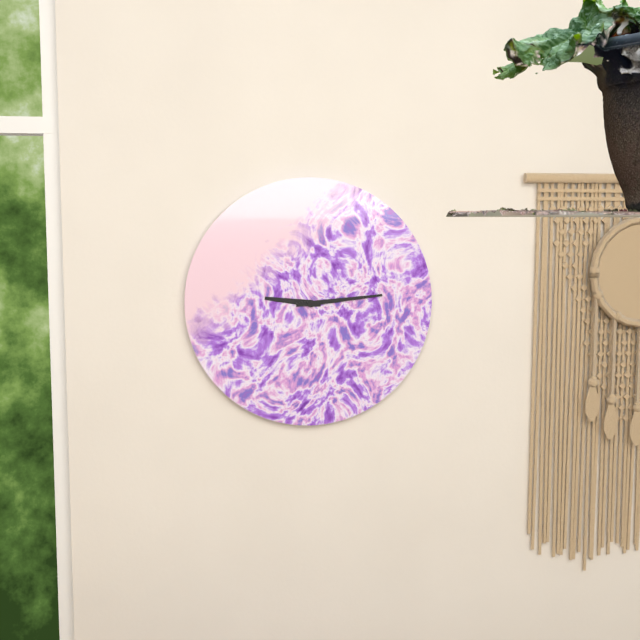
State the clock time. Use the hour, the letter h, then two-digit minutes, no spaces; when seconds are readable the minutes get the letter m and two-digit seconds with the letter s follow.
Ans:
9h14
